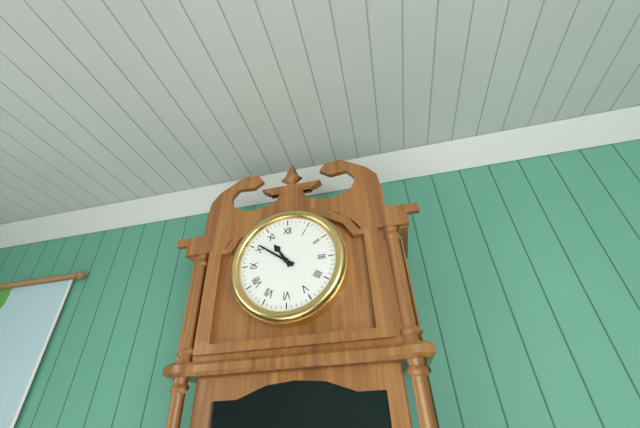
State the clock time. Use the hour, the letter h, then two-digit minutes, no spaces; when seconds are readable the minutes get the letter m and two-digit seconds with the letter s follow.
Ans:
10h51
